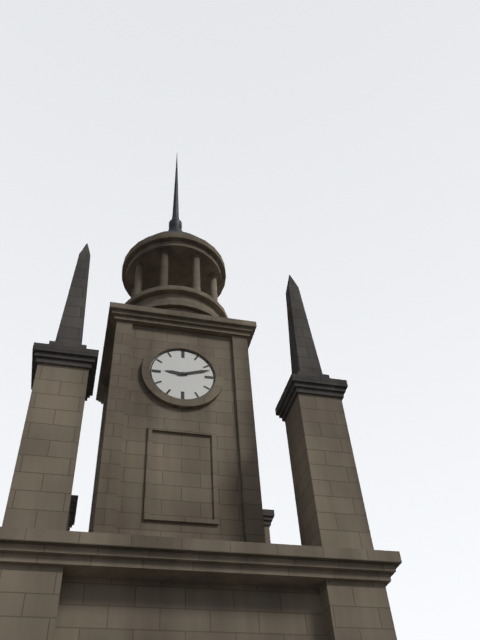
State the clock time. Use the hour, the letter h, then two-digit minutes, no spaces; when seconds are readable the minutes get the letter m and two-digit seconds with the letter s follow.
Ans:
9h12
